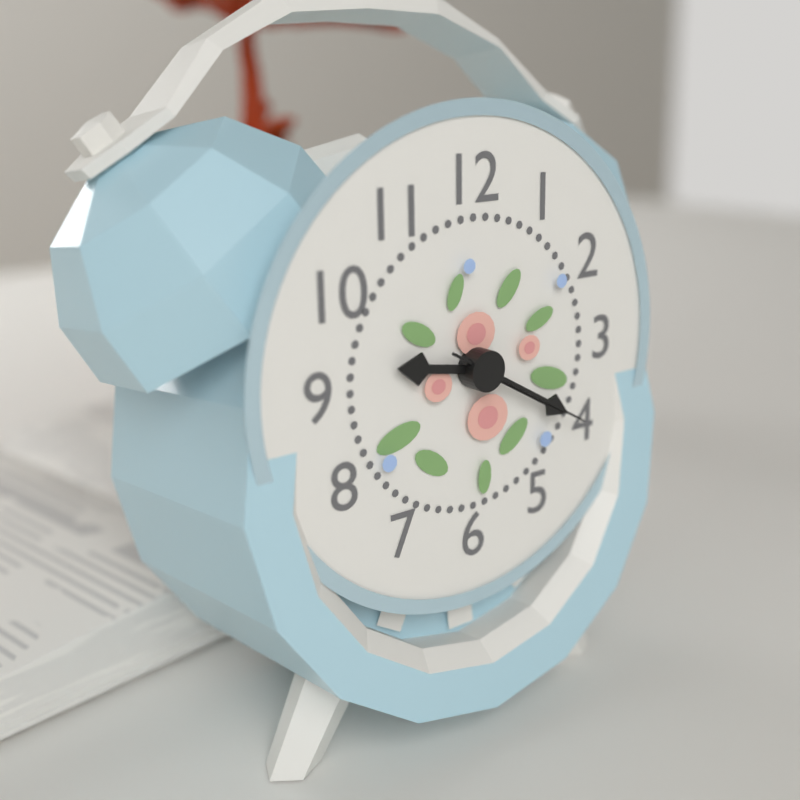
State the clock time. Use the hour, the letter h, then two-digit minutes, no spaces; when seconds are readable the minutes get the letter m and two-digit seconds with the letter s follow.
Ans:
9h20m20s
